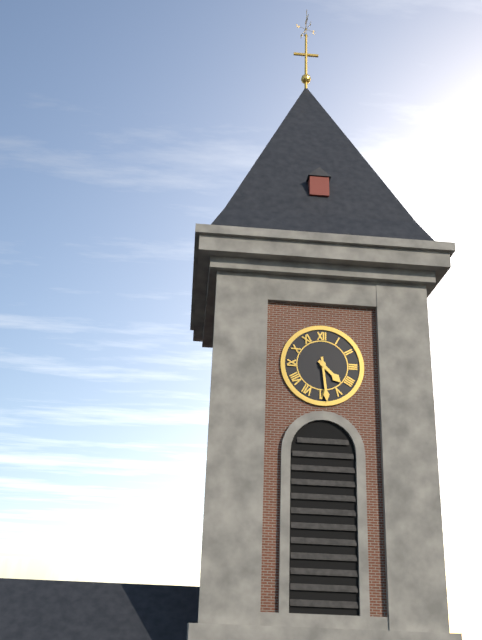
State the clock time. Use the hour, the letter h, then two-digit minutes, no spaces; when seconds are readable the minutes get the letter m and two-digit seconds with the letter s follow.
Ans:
4h29
